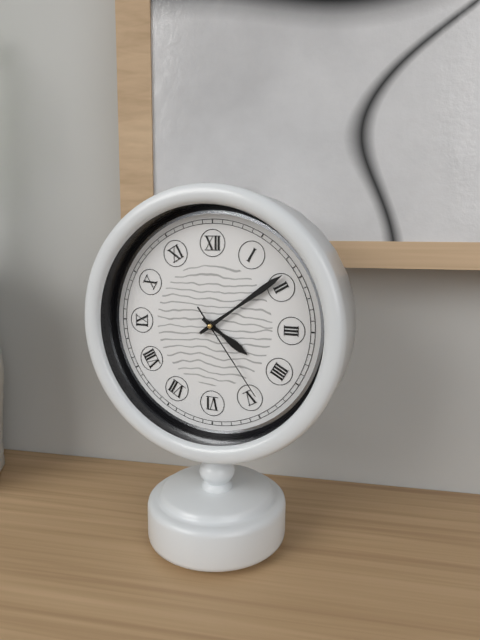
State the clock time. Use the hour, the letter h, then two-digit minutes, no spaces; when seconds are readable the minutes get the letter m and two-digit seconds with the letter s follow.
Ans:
4h09m24s
